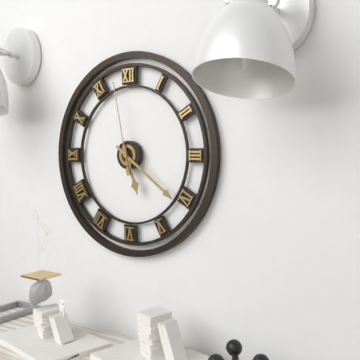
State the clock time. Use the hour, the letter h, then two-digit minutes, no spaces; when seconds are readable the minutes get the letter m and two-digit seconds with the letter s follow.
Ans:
5h21m58s
